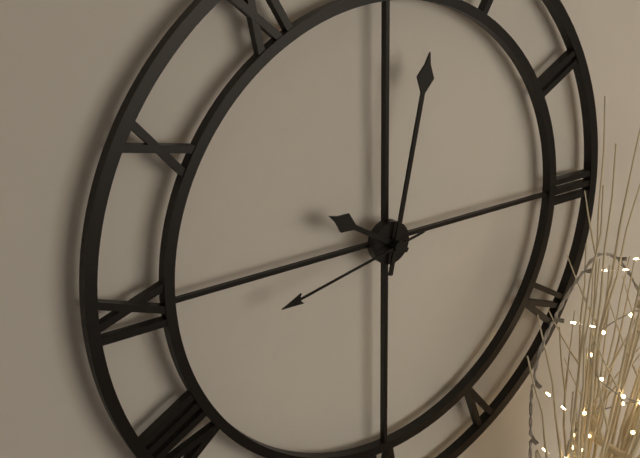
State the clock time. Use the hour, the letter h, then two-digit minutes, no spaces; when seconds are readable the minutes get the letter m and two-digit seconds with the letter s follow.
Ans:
10h02m43s
